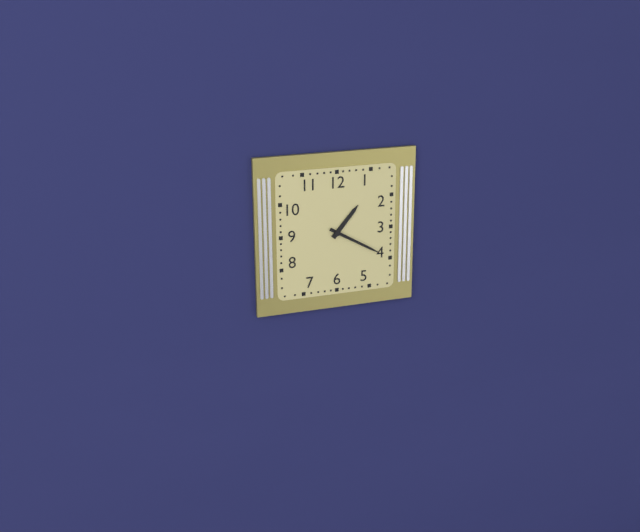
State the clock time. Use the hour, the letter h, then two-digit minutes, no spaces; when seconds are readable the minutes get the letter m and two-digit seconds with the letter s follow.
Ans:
1h20
